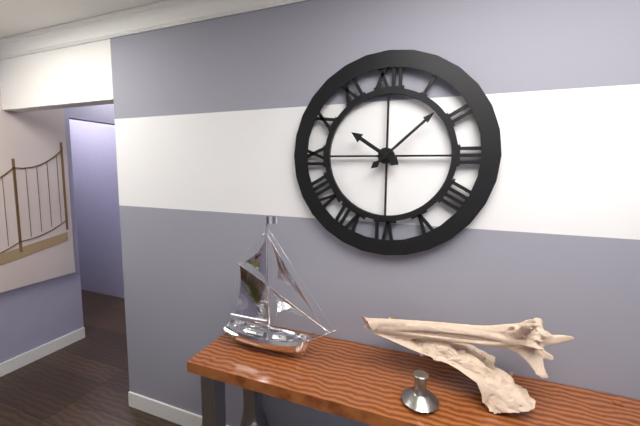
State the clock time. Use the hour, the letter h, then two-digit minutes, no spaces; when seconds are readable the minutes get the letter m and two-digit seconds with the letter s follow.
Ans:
10h08
